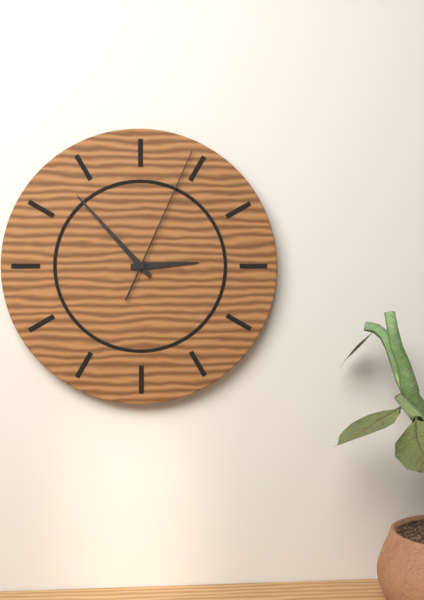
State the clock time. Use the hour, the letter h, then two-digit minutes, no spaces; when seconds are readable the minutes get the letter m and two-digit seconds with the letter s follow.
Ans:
2h53m04s
